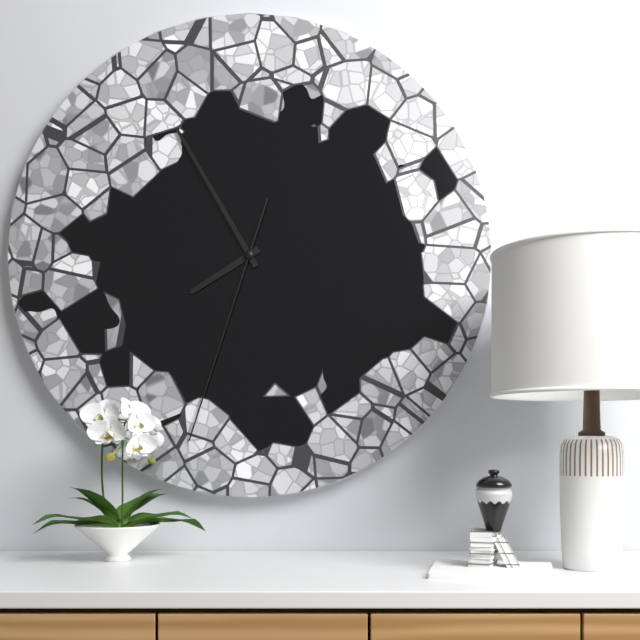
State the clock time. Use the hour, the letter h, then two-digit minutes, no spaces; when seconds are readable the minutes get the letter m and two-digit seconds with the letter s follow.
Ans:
7h55m33s
